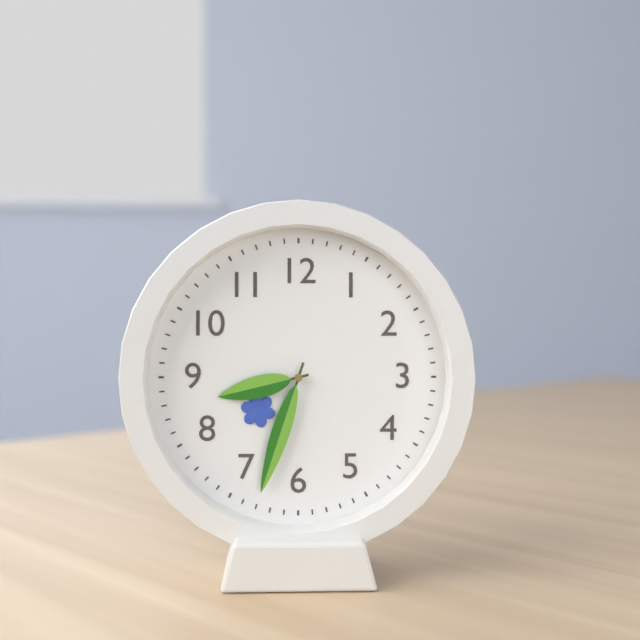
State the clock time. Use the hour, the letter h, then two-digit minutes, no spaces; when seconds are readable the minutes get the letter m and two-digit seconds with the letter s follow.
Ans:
8h33
